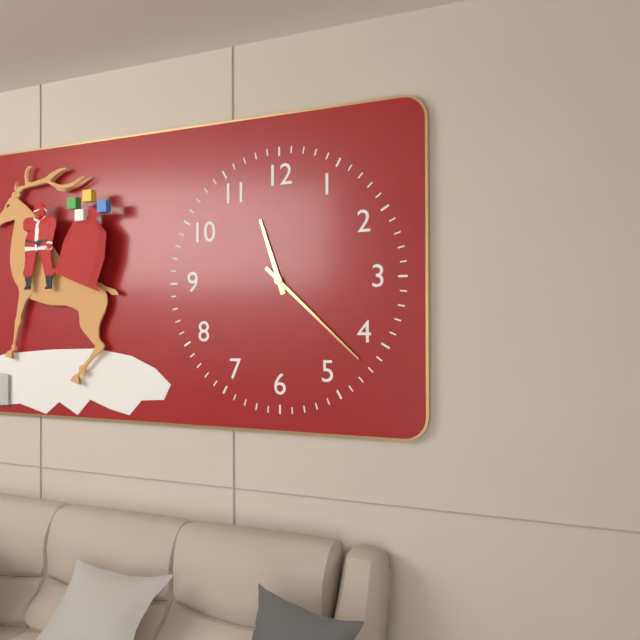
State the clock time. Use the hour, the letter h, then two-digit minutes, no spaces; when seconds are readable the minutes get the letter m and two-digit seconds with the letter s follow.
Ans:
11h22
